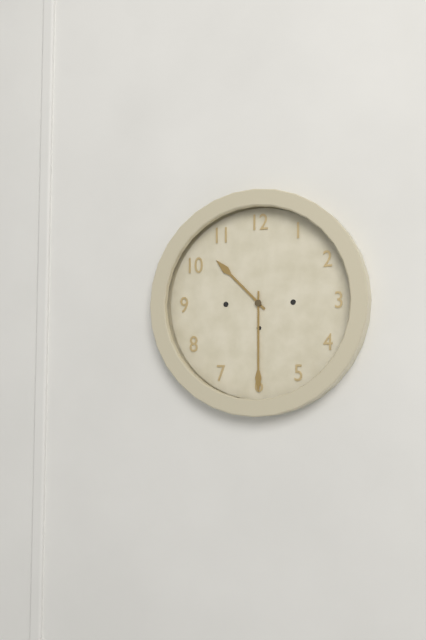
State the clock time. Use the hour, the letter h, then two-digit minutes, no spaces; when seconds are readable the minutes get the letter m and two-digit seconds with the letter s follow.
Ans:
10h30
